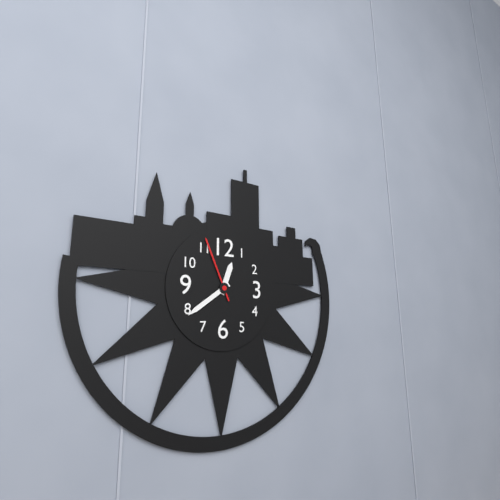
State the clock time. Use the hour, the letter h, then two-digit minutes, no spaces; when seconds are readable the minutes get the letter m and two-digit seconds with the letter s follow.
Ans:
12h39m56s
